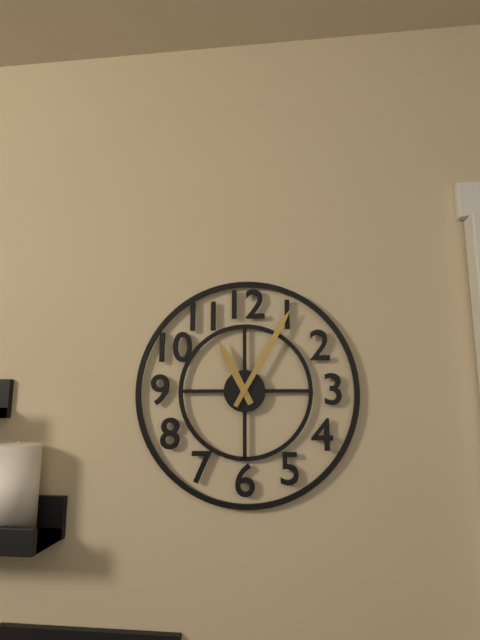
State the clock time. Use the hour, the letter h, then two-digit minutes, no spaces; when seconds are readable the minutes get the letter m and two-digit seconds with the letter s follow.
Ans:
11h05
